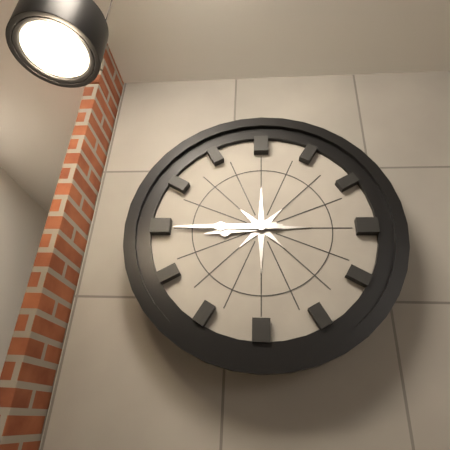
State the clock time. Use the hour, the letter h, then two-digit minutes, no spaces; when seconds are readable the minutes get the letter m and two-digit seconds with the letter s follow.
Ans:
8h45
